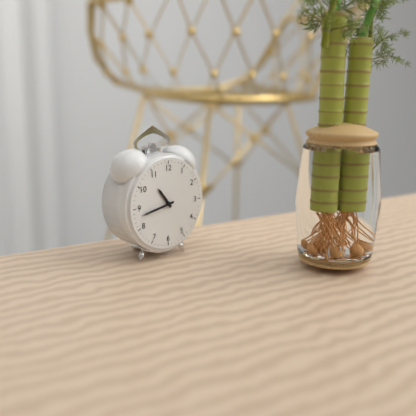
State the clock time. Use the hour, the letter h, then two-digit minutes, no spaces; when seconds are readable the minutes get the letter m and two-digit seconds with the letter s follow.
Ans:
10h43
